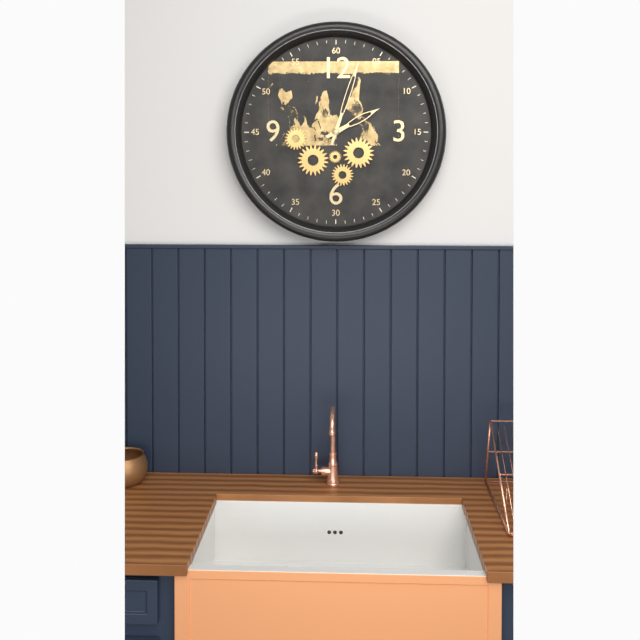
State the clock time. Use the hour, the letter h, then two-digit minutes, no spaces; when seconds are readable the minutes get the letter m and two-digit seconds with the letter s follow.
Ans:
2h03
